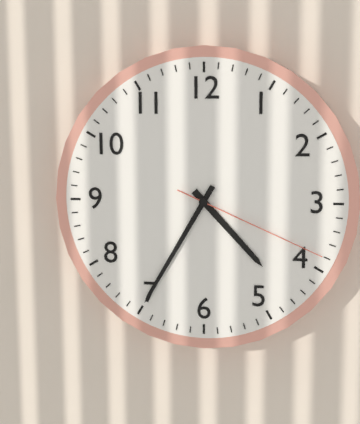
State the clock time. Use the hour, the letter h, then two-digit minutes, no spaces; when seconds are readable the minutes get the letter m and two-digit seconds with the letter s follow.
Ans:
4h35m19s
